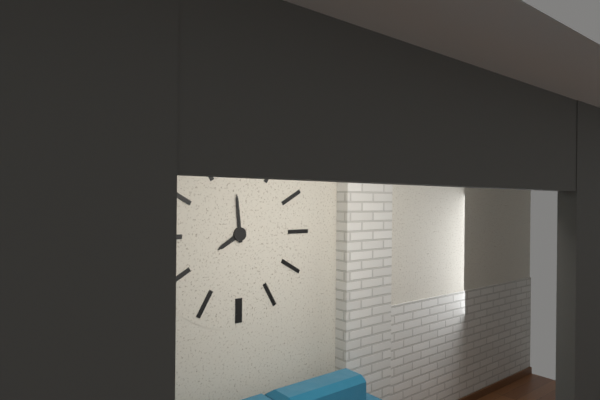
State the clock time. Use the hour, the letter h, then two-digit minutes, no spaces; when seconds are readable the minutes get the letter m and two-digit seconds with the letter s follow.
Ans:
7h59
